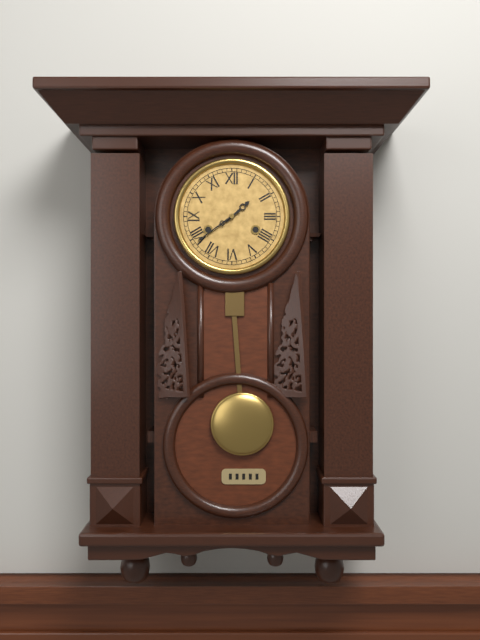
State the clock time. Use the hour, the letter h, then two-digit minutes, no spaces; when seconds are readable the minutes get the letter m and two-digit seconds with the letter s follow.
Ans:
1h39
